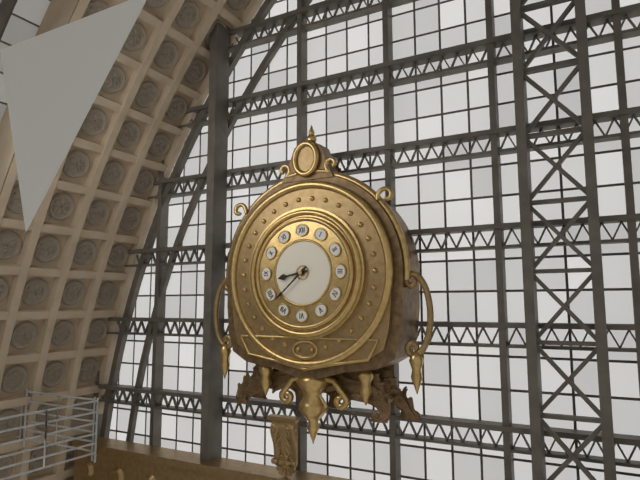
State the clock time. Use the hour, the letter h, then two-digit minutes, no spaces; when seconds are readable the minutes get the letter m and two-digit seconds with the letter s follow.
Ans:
8h38
